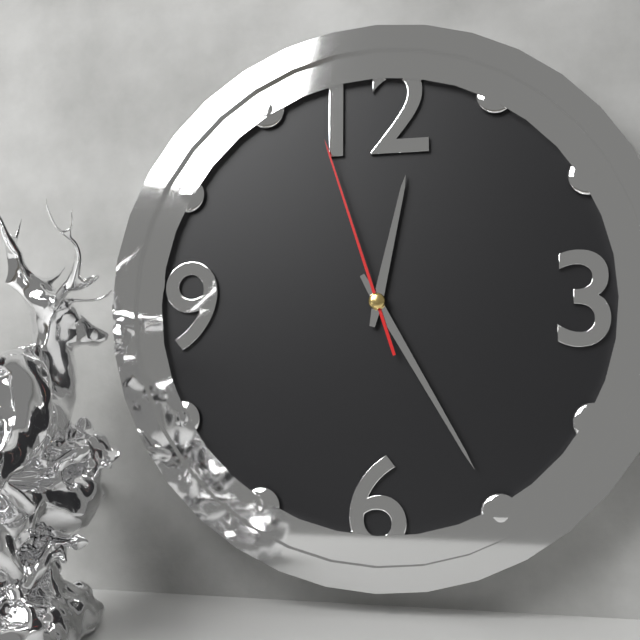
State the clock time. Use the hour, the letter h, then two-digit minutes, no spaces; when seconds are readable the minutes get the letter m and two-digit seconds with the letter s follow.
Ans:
12h25m57s
